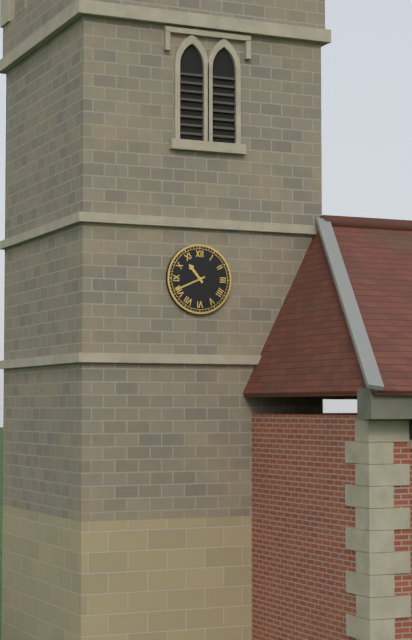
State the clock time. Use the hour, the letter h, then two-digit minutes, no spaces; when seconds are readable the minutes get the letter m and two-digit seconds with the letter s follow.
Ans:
10h41
